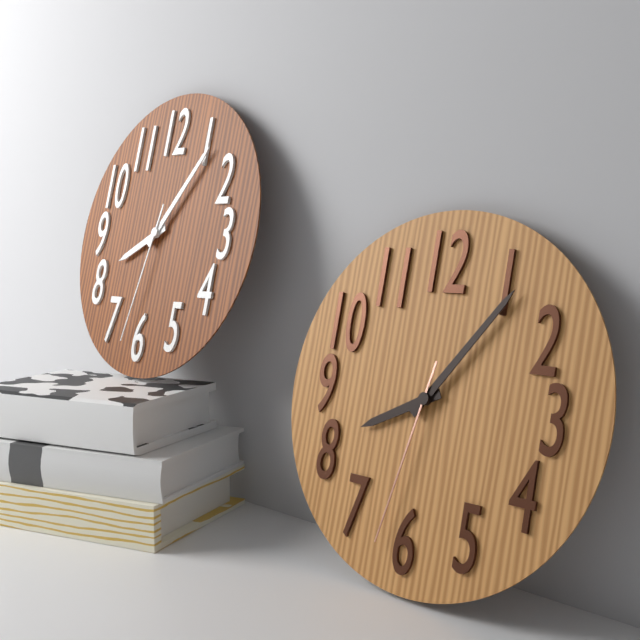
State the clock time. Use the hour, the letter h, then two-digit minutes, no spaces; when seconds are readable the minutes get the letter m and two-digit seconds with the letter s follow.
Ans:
8h06m32s
